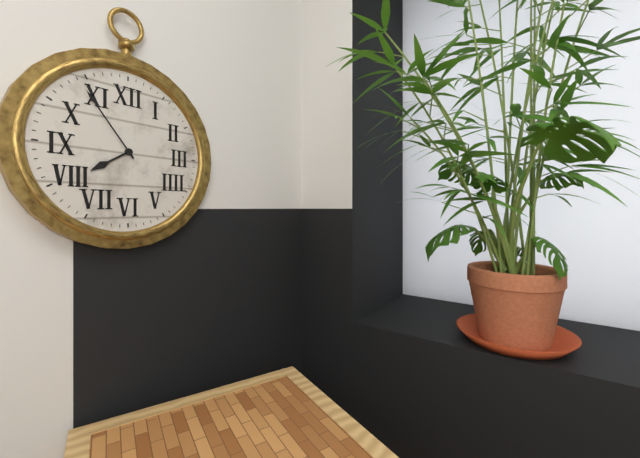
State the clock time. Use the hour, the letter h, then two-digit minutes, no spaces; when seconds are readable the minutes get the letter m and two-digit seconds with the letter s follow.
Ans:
7h54
